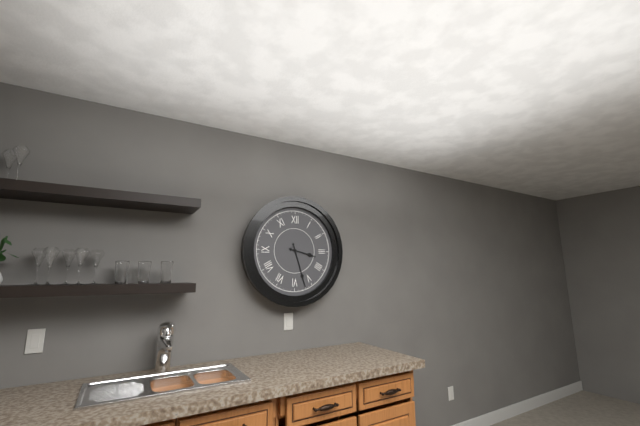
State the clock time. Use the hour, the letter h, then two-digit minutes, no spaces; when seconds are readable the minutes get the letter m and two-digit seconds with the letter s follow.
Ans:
3h27
